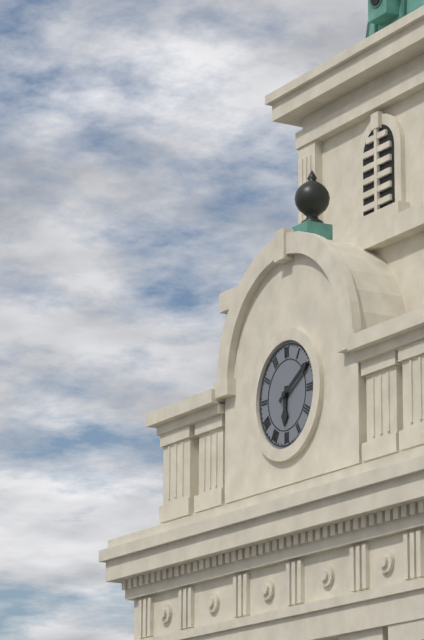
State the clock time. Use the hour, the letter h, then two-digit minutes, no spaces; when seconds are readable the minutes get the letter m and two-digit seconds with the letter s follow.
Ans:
6h10
